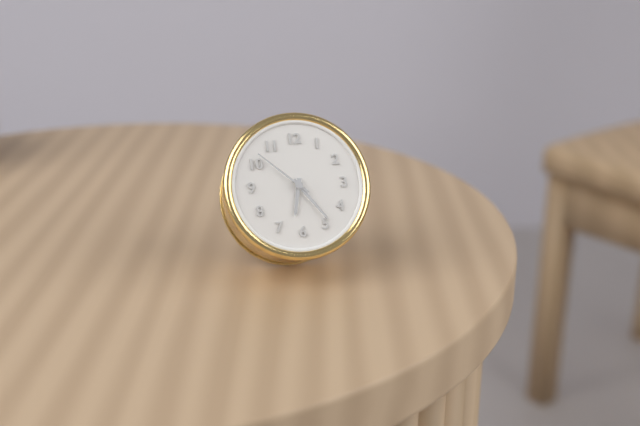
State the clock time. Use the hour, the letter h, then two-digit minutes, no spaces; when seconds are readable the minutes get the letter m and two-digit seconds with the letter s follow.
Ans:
6h24m52s
